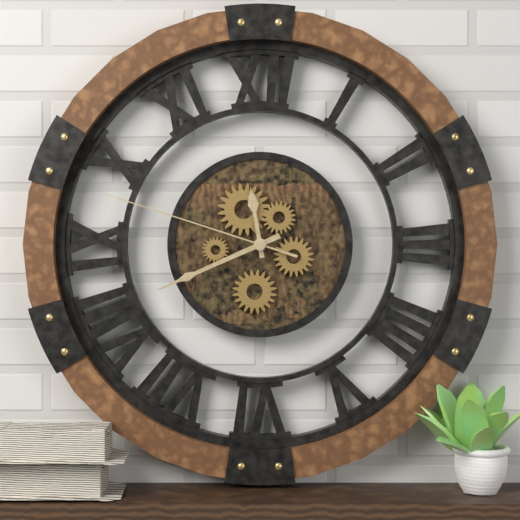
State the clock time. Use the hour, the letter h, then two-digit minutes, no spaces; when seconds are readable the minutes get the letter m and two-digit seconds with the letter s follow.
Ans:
11h41m48s
